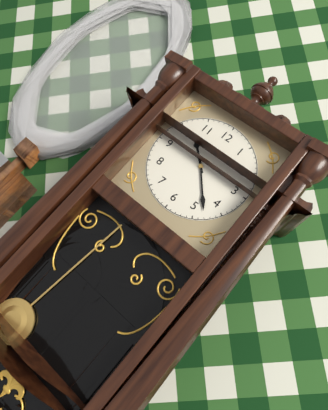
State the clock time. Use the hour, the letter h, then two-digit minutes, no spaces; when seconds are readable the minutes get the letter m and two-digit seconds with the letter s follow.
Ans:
10h23
